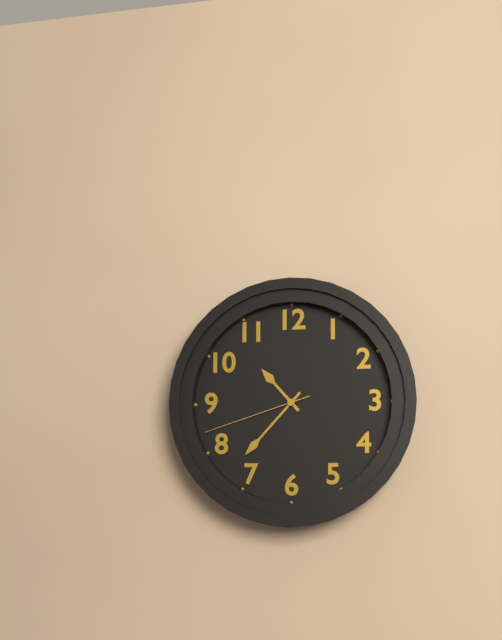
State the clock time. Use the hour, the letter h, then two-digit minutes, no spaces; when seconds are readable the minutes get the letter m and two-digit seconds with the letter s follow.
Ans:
10h37m42s
